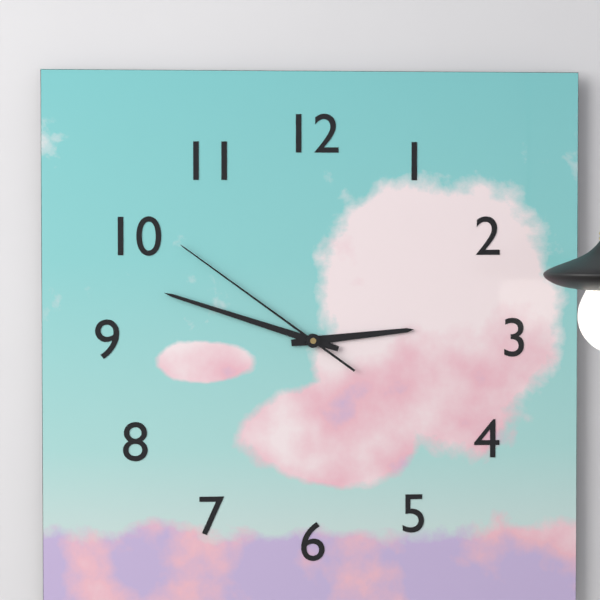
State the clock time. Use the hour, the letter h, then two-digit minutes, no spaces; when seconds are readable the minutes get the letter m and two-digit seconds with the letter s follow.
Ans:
2h48m51s
